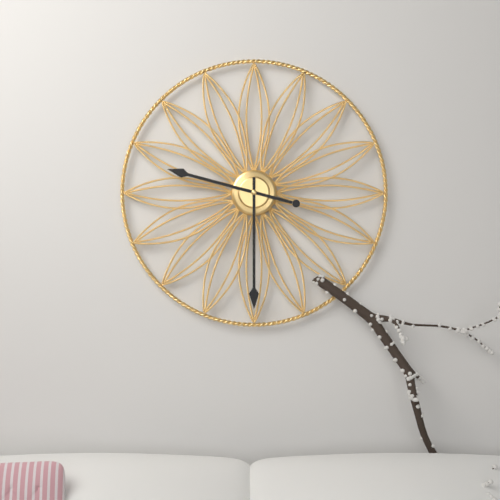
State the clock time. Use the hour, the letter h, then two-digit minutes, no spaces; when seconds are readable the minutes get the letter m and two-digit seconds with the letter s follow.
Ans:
9h30
